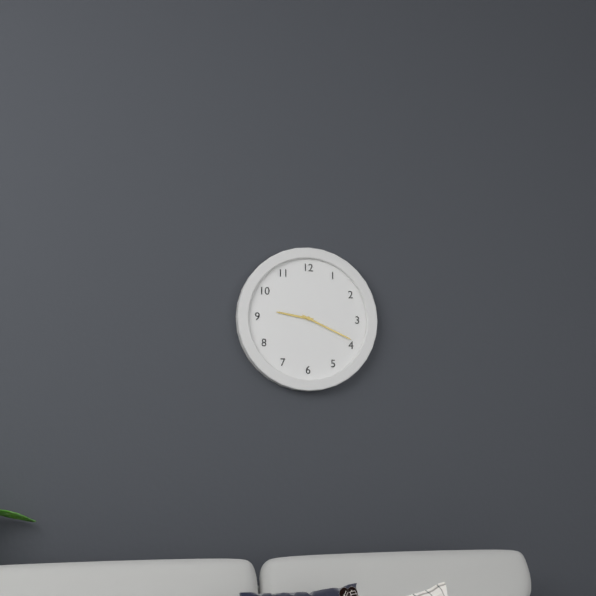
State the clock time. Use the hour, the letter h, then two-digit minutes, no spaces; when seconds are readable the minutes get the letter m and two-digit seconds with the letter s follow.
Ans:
9h19
